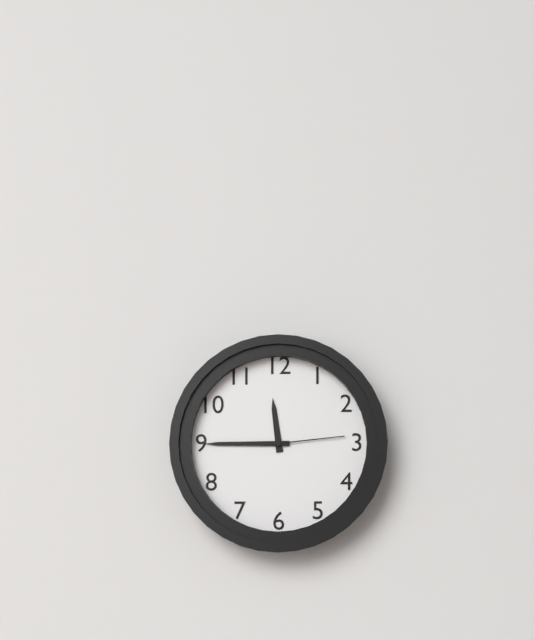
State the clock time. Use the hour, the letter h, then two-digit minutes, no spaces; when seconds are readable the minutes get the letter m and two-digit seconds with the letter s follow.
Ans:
11h45m14s
